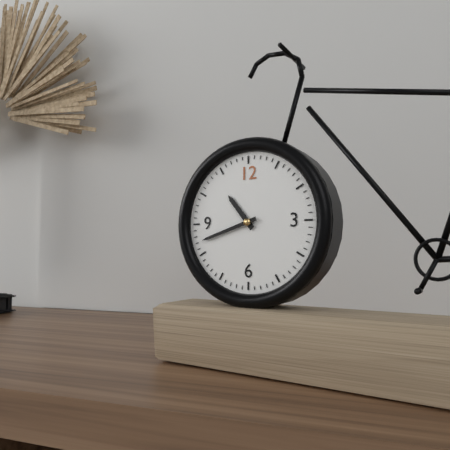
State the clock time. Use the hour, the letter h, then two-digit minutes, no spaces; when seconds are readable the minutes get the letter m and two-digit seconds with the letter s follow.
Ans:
10h42
